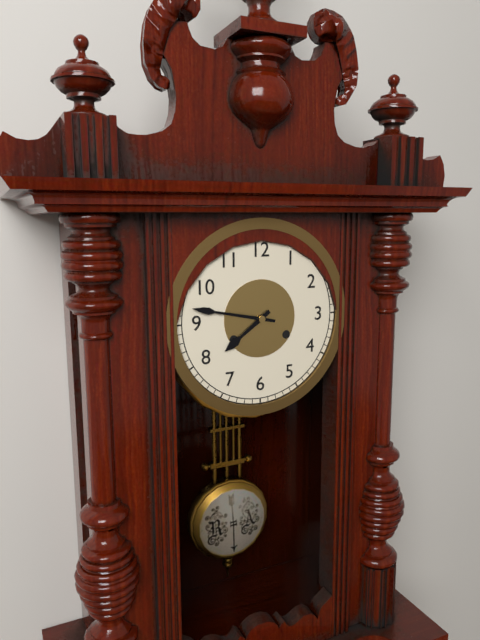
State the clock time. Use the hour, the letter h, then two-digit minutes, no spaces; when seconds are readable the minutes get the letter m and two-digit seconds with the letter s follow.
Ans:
7h47
